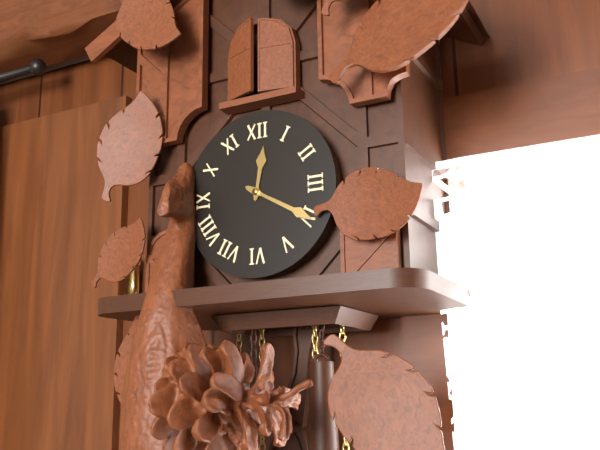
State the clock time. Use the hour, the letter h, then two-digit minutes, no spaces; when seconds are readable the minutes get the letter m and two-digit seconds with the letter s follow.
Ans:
12h20
